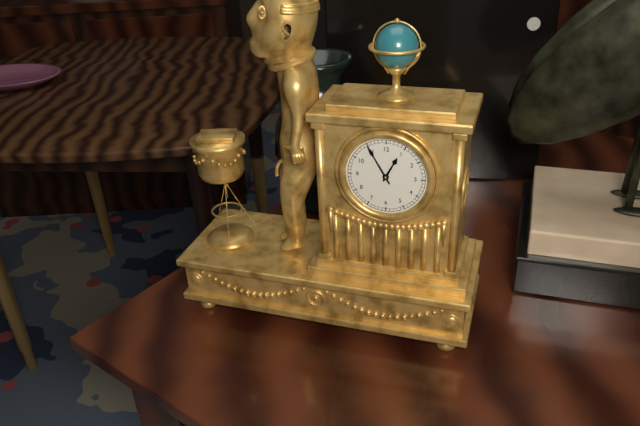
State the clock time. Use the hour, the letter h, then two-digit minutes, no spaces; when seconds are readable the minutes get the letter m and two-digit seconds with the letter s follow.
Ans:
12h55
